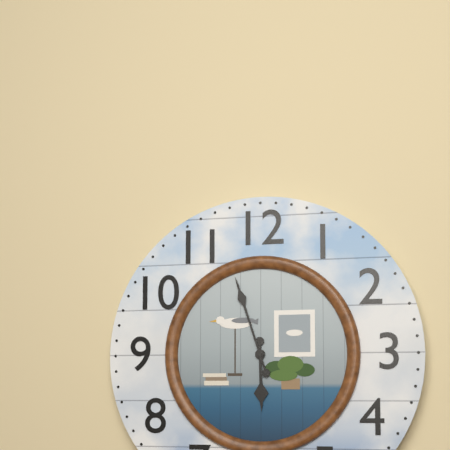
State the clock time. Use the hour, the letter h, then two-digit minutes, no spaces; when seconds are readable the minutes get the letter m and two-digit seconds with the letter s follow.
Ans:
5h57
